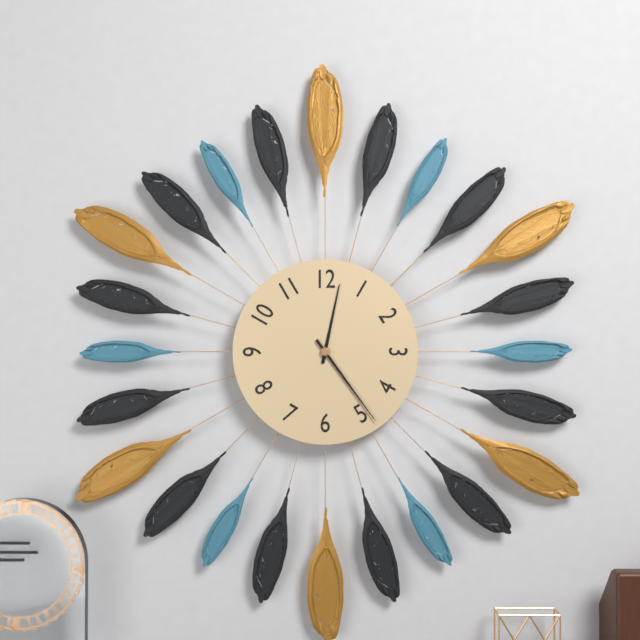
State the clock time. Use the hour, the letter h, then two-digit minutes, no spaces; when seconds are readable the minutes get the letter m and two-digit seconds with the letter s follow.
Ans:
12h24
